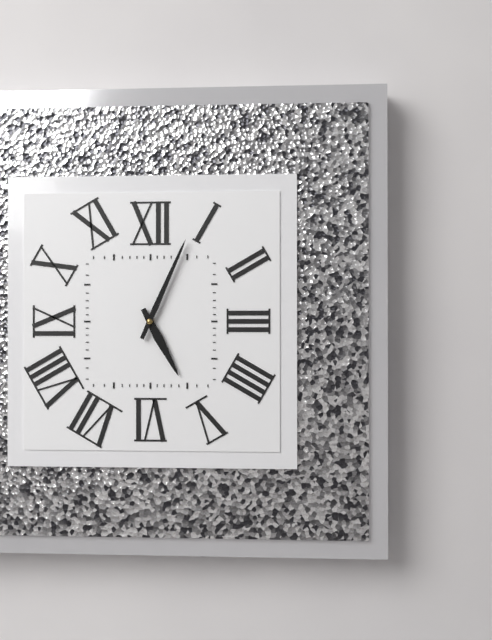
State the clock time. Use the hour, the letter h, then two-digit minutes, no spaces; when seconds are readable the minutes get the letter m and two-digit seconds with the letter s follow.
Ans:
5h04
